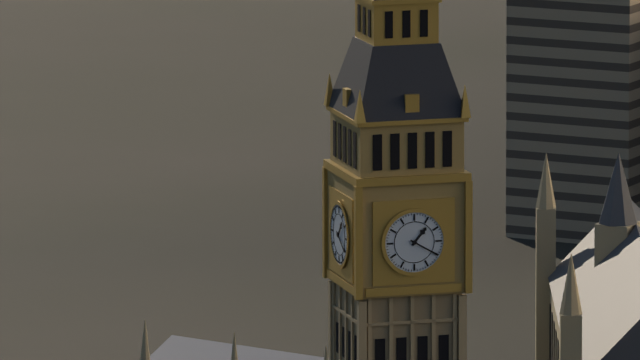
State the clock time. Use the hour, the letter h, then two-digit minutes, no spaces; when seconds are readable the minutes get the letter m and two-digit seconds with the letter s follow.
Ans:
1h20
